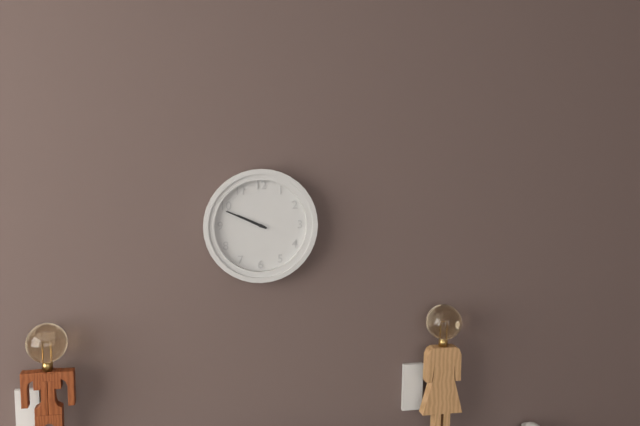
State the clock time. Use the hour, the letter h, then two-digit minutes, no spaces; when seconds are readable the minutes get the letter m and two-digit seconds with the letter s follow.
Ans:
9h49
